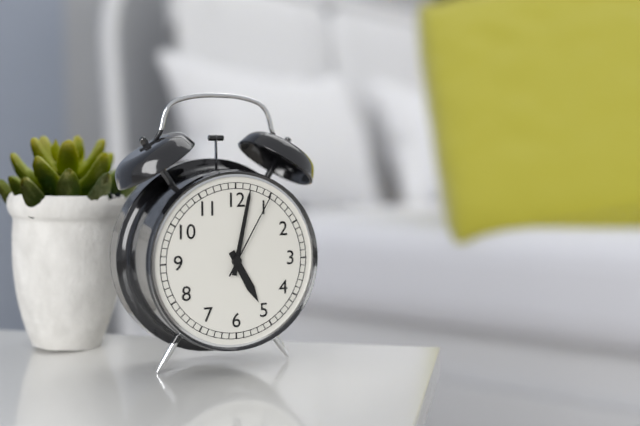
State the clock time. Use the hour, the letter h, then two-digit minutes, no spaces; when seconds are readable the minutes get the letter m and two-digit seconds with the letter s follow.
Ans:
5h02m05s
